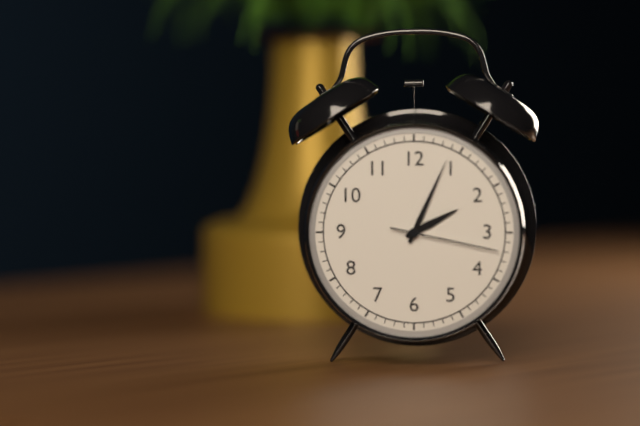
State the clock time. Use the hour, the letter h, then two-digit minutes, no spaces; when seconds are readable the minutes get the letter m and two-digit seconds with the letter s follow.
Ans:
2h04m17s
